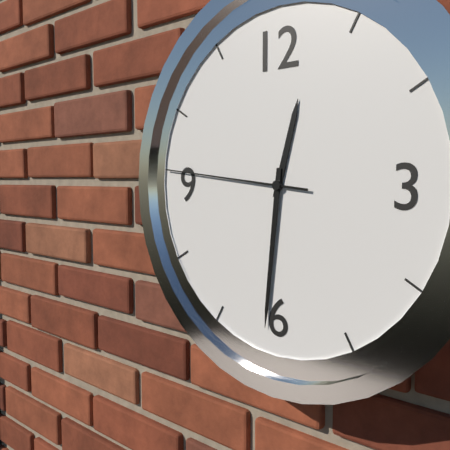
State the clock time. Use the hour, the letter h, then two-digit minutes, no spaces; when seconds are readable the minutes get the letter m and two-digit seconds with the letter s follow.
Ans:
12h31m46s
